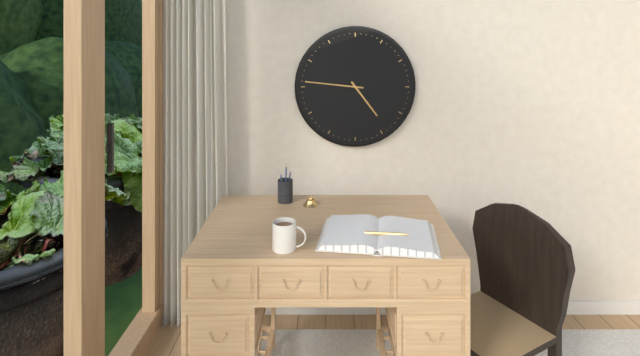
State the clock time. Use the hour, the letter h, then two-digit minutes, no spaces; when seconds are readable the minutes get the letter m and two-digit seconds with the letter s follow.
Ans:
4h46
